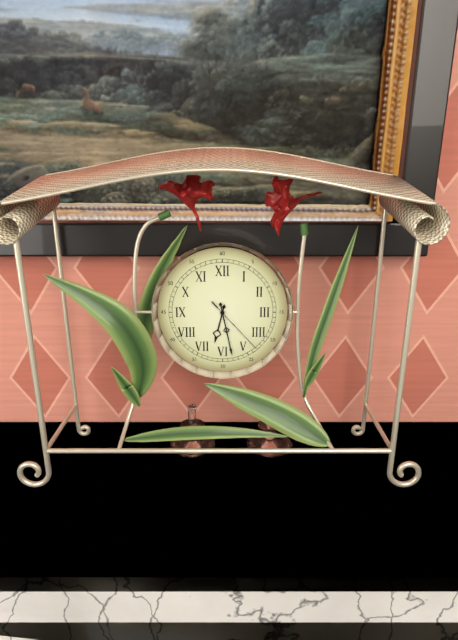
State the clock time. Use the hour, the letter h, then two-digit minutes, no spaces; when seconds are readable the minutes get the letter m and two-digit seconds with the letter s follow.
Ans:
6h28m23s
